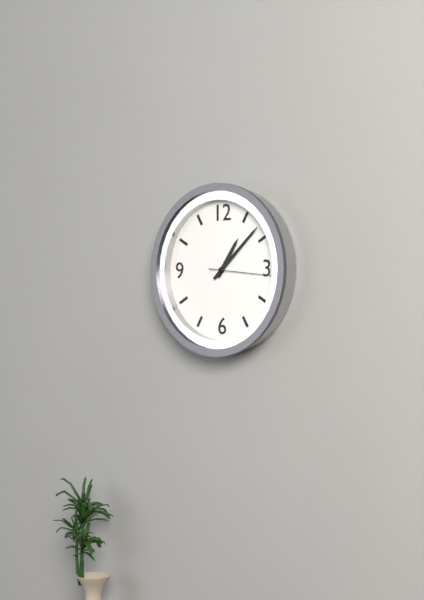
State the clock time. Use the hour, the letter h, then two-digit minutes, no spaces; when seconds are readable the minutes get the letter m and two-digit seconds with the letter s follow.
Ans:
1h08m16s
